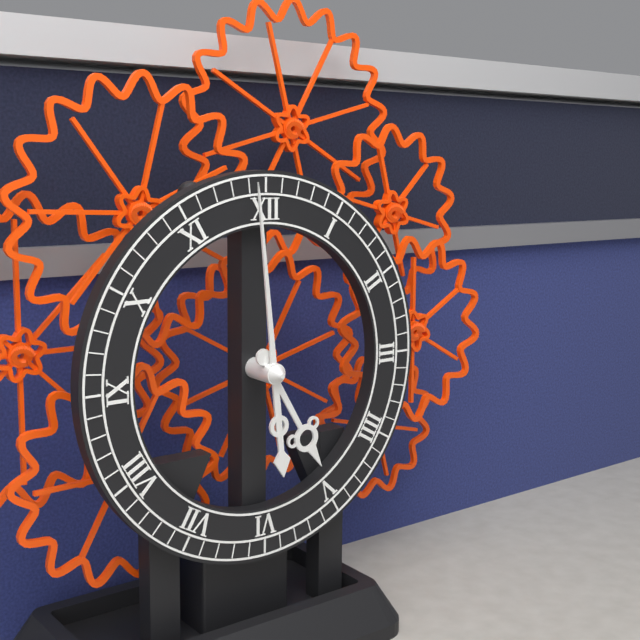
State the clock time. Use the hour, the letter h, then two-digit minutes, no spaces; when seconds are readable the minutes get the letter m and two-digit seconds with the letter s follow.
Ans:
4h59
